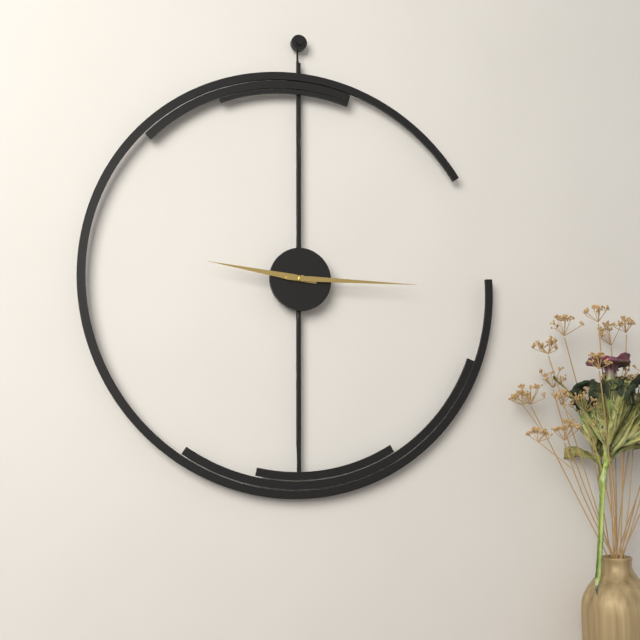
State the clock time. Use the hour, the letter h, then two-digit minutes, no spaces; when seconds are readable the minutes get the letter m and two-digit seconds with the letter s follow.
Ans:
9h15
